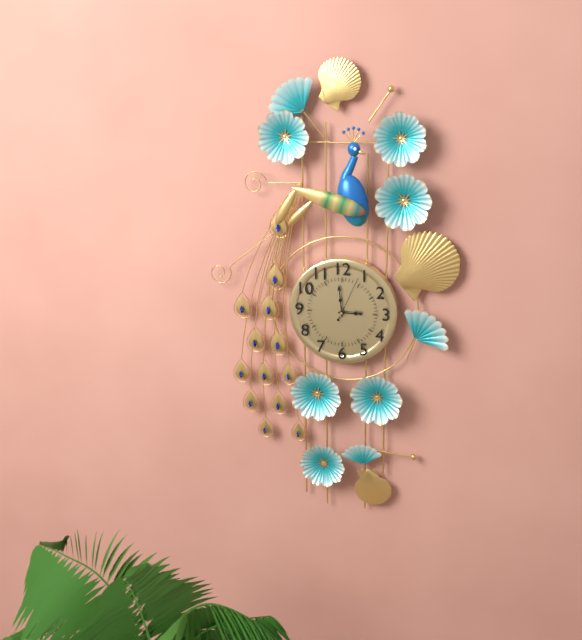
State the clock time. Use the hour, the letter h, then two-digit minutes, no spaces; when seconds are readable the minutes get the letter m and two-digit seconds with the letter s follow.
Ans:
2h59
